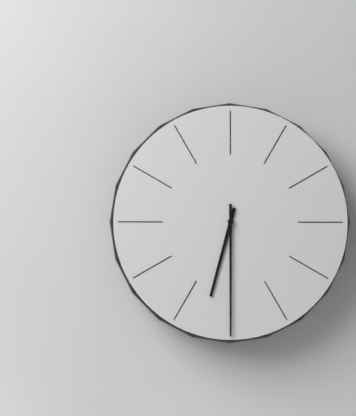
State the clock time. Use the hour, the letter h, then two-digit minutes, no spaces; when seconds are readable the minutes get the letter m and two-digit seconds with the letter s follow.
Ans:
6h30
